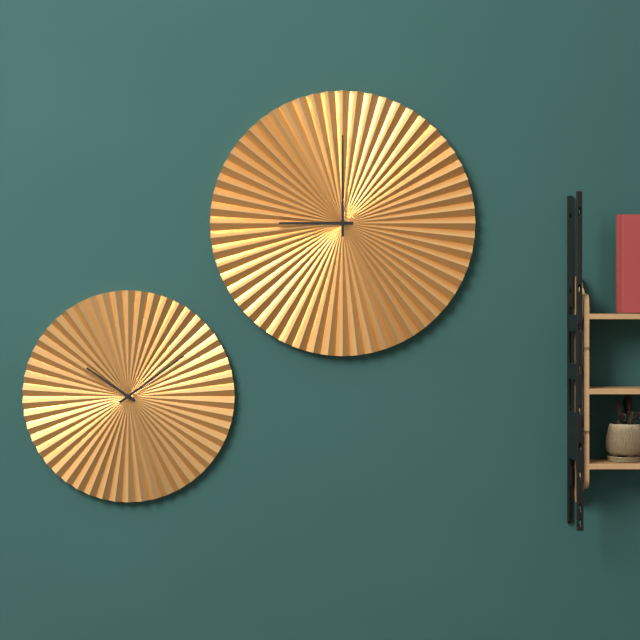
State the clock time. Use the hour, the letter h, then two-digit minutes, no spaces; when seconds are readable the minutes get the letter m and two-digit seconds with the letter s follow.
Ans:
9h00
